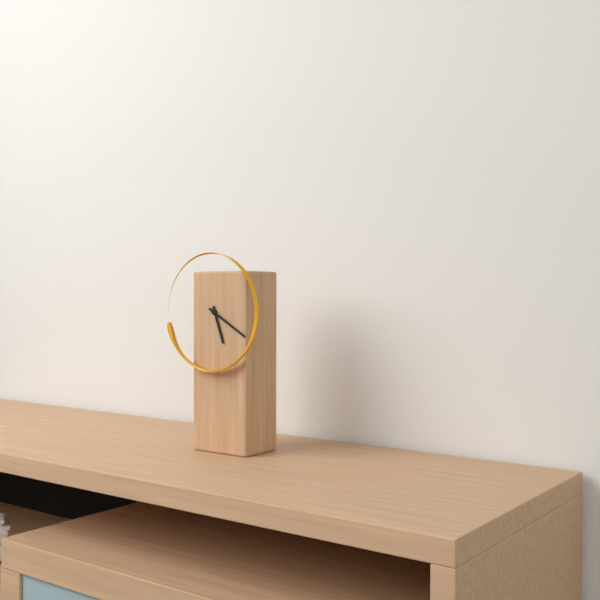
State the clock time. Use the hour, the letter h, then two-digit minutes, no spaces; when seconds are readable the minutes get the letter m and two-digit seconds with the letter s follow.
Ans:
5h20
